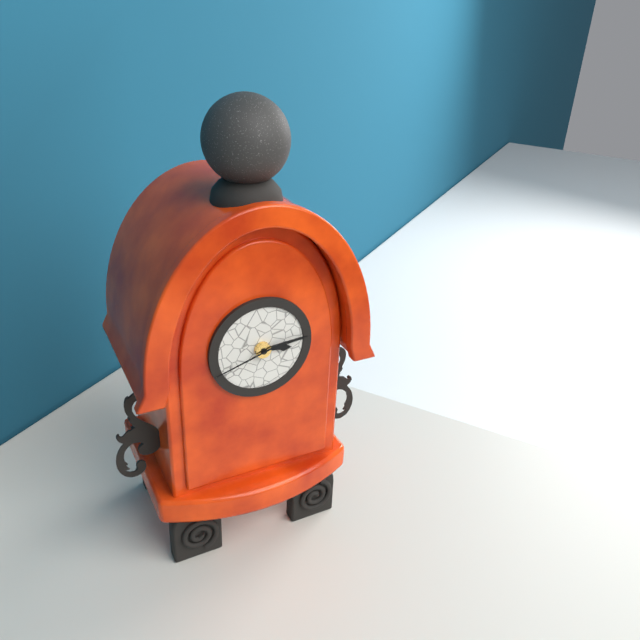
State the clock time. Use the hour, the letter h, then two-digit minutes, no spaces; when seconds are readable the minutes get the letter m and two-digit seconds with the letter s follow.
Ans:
3h14m42s
